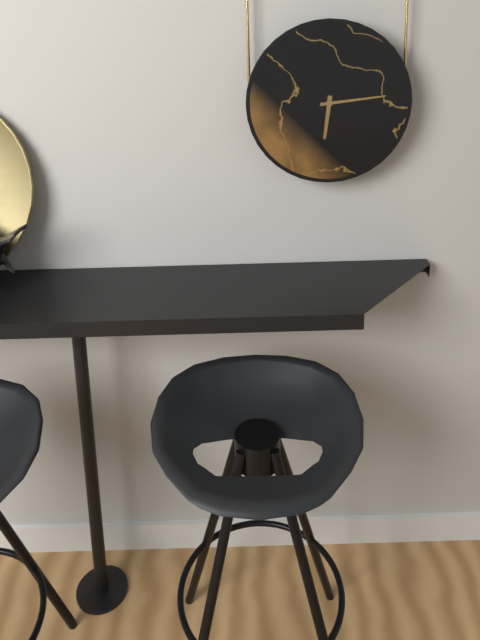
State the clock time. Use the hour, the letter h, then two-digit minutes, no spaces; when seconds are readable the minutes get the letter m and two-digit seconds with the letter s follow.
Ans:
6h14
